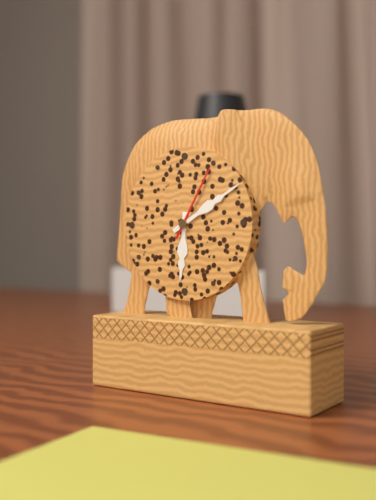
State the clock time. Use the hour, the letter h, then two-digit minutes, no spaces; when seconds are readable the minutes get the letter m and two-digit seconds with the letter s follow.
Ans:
6h10m05s
